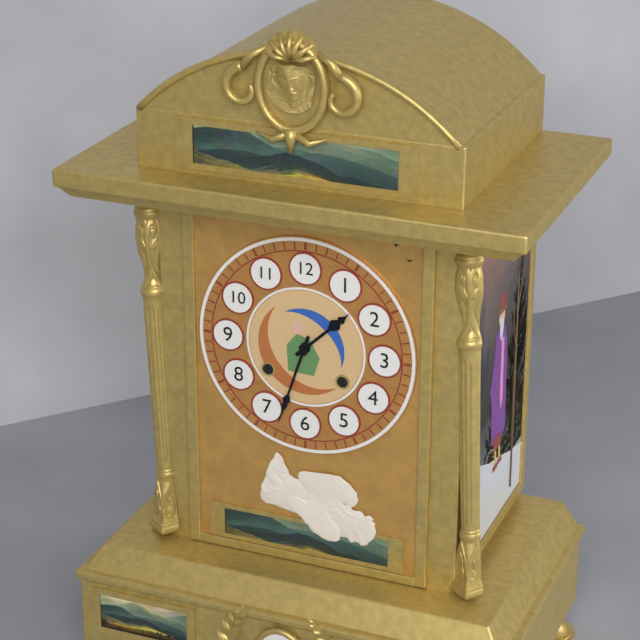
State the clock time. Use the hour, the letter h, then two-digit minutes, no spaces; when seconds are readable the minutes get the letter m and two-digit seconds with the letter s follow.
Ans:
1h33
